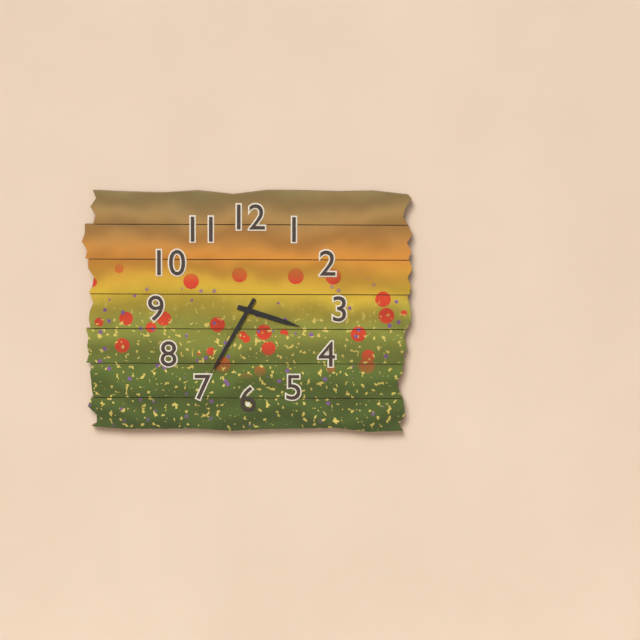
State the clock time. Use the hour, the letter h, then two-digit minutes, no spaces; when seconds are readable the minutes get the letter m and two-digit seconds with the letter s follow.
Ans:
3h35
